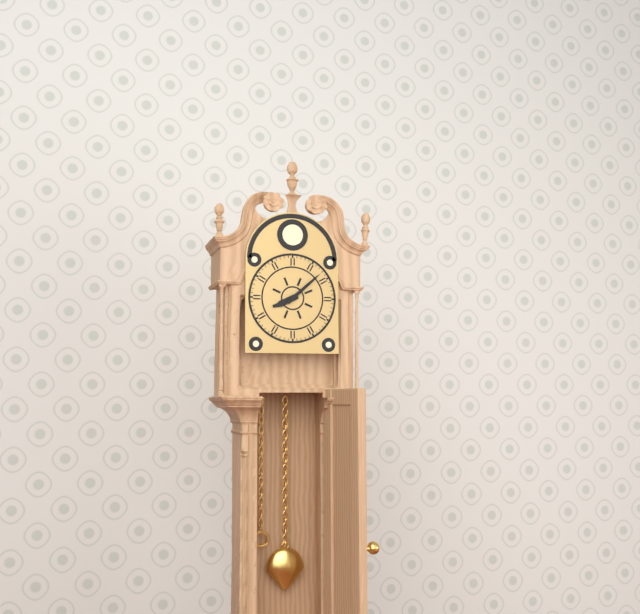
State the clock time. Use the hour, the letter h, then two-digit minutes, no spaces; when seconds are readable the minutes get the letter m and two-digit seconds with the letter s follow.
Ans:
8h08
